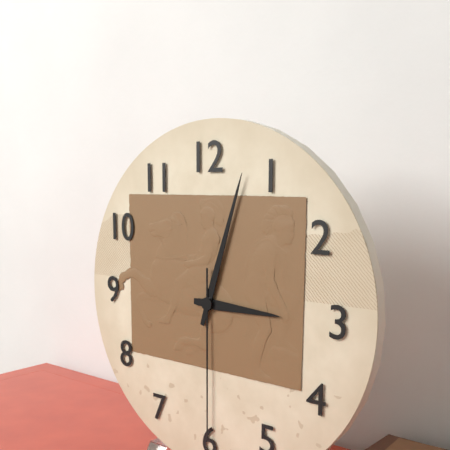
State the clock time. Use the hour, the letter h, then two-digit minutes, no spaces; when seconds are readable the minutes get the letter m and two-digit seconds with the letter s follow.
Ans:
3h03m30s
